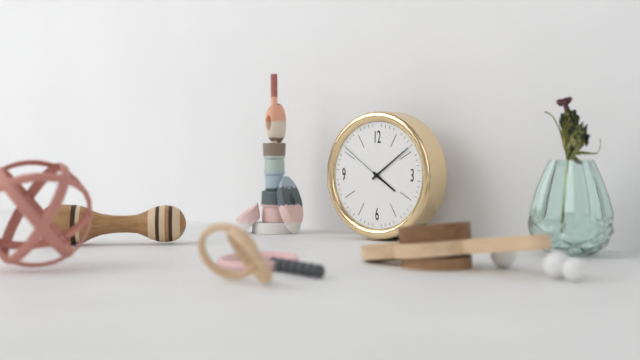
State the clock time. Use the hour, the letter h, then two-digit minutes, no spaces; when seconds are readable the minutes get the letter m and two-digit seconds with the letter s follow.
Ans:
4h09m51s
